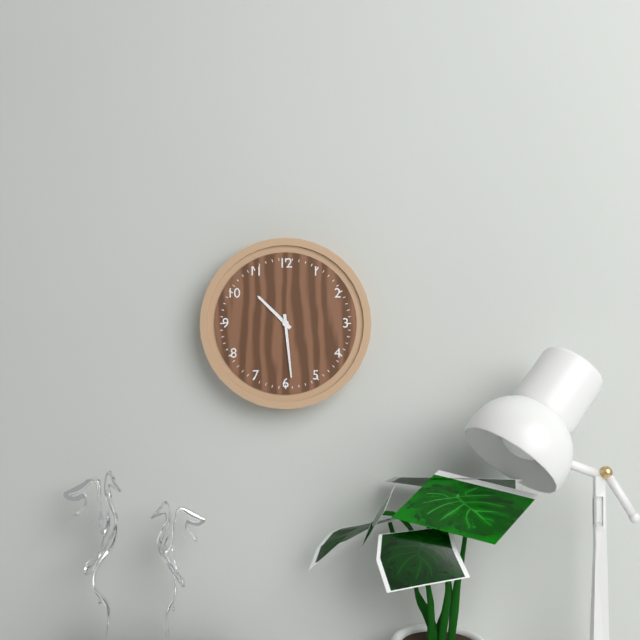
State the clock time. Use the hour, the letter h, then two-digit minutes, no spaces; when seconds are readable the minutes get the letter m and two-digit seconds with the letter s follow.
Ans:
10h29
